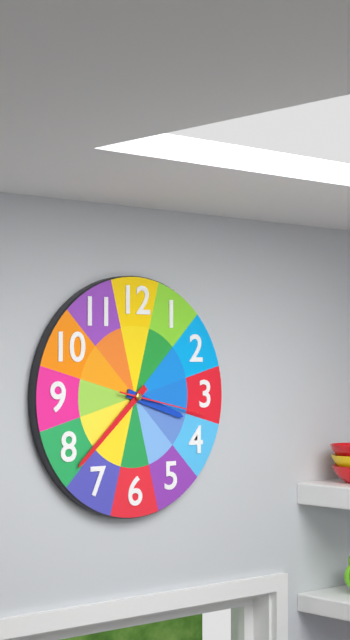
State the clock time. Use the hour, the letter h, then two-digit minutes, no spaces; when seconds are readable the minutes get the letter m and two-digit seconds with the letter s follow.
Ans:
3h38m17s
